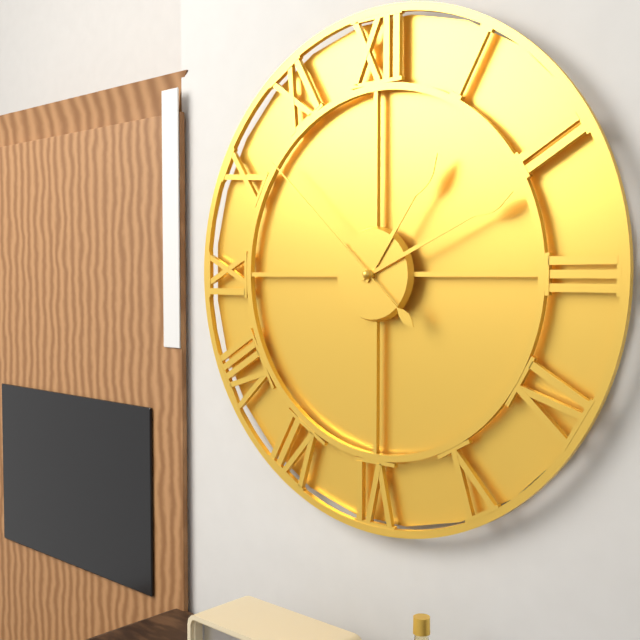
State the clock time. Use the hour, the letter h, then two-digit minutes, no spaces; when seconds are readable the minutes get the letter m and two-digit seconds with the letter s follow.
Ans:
1h11m52s
